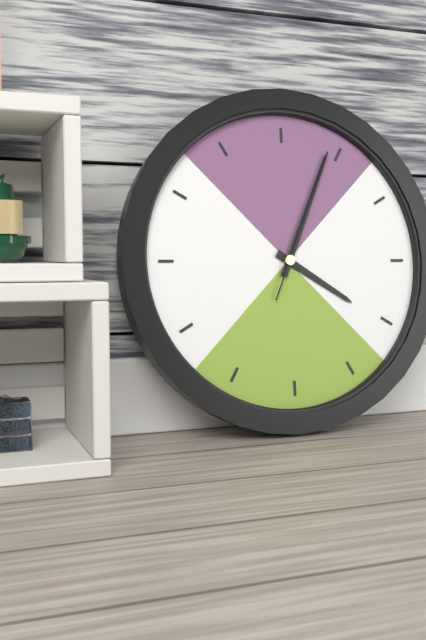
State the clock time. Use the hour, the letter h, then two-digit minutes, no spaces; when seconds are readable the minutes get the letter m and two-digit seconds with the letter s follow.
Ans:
4h04m04s
